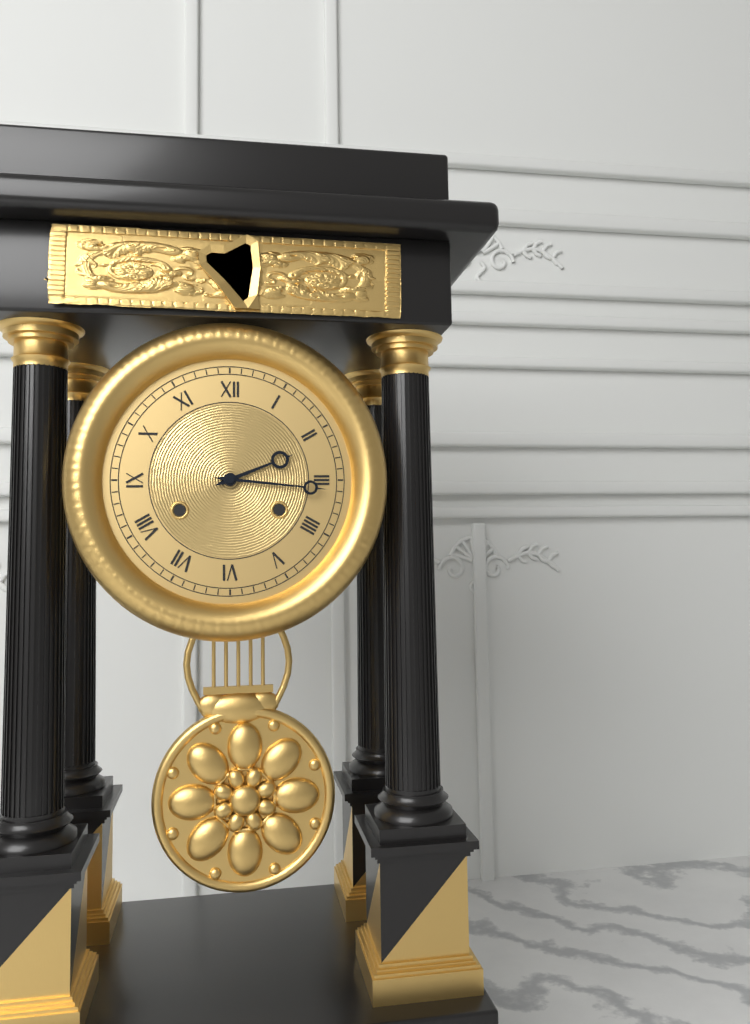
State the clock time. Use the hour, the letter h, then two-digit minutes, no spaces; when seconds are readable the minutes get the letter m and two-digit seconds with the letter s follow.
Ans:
2h16
